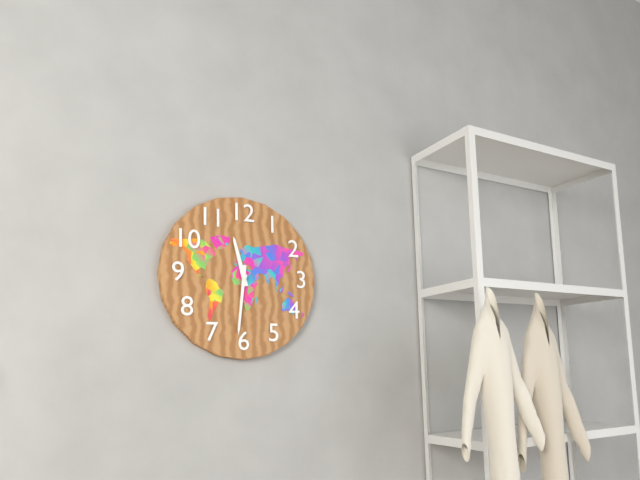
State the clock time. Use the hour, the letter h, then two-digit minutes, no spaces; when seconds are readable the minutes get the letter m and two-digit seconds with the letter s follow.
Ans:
11h31
